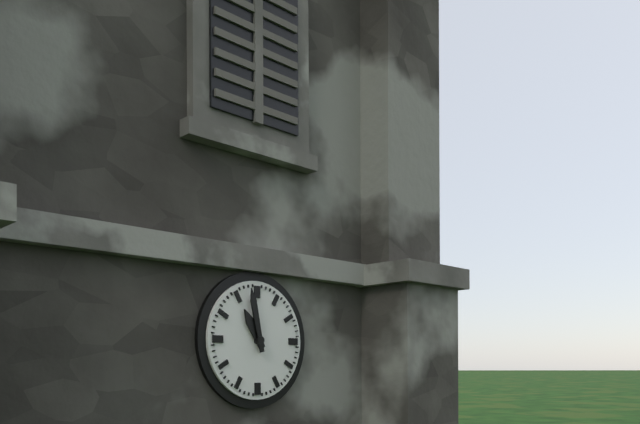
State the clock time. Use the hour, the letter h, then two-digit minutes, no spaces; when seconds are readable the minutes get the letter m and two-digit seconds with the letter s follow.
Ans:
10h58
